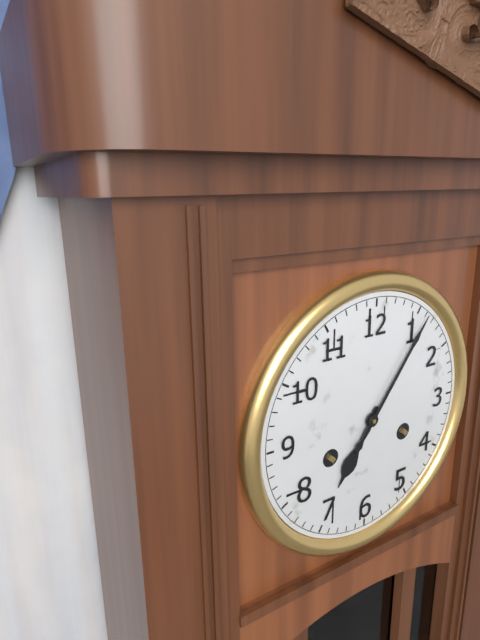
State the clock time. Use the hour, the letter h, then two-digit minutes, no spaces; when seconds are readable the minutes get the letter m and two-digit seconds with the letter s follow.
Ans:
7h06
